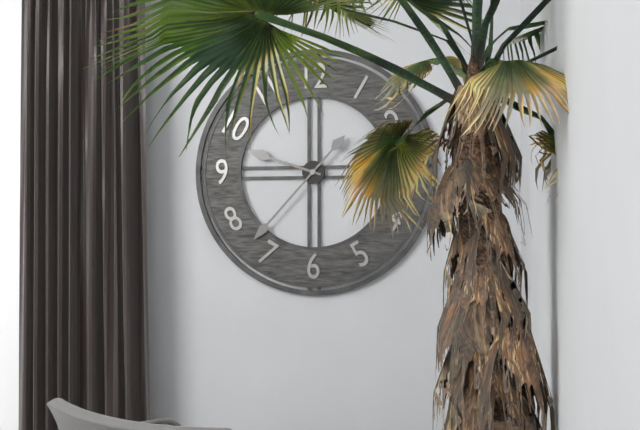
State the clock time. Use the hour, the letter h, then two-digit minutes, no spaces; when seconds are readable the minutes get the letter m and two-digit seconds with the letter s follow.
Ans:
9h37
